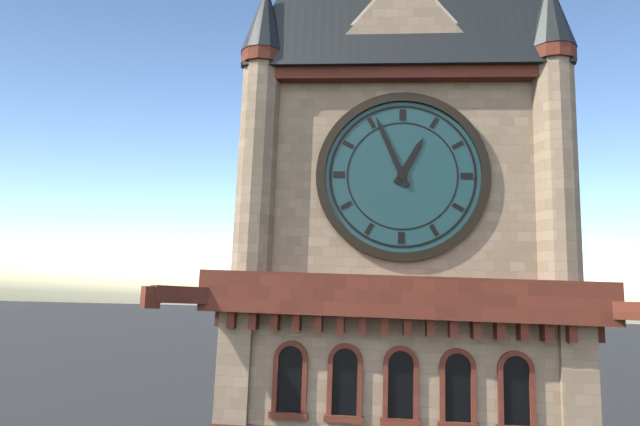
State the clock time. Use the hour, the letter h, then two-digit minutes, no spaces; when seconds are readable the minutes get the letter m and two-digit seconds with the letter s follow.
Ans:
12h56
